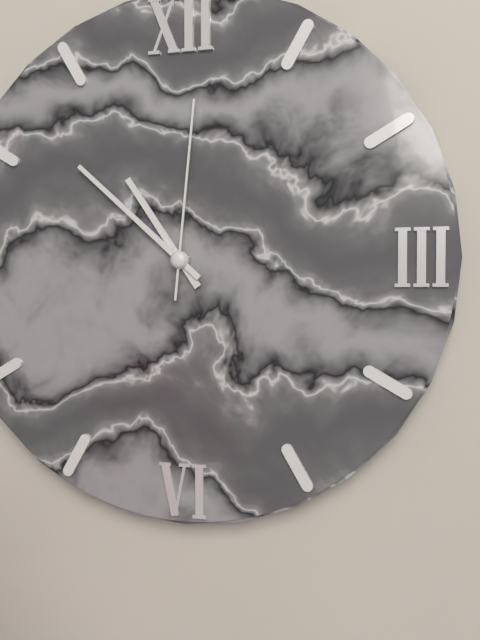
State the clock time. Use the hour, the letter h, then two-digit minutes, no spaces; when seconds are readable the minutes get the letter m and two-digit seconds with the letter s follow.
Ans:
10h52m01s
